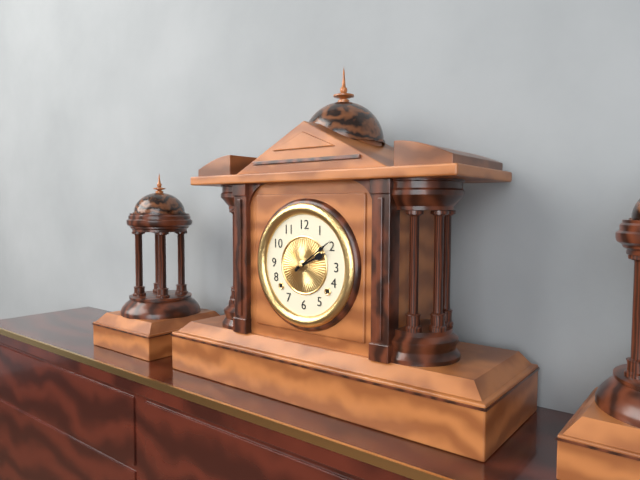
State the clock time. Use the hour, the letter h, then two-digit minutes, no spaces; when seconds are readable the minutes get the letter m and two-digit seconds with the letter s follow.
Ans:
2h09
